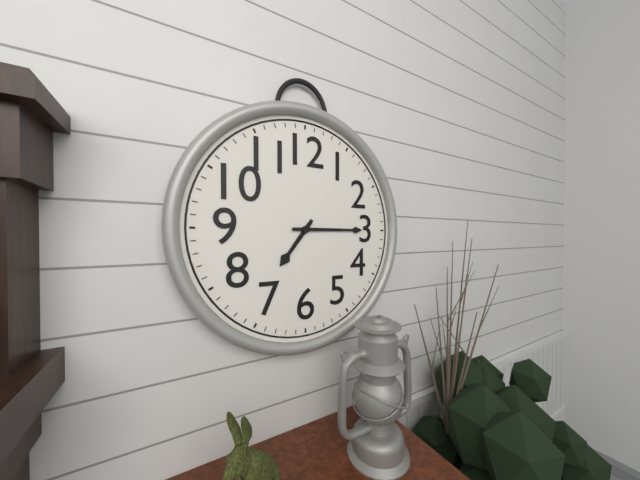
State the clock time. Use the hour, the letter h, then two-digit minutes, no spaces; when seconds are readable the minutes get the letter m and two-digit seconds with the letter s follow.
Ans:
7h15
